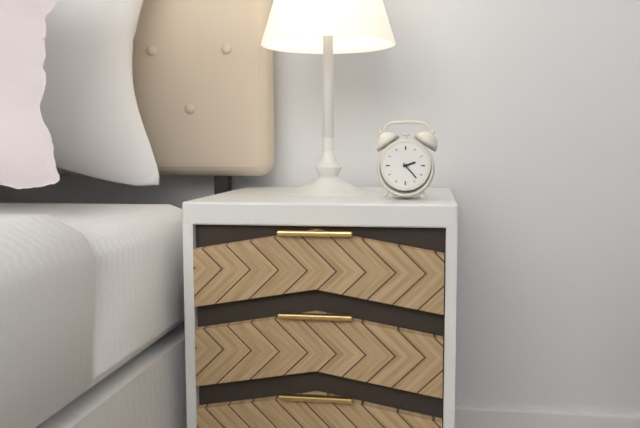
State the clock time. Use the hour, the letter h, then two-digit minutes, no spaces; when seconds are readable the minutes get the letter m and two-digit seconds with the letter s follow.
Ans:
2h23
